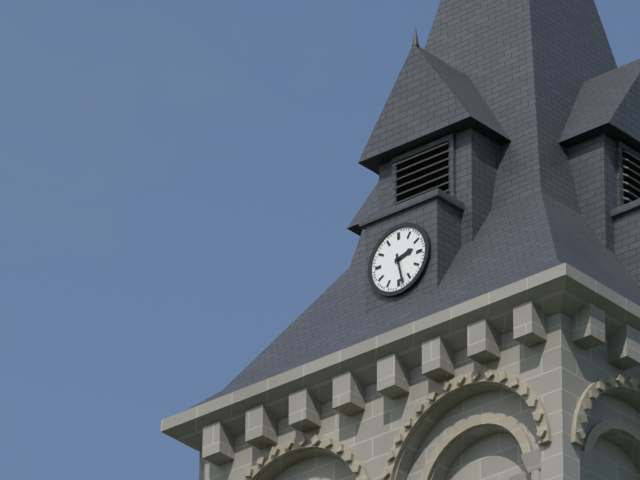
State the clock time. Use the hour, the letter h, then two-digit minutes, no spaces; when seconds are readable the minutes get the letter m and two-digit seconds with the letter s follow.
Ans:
2h28
